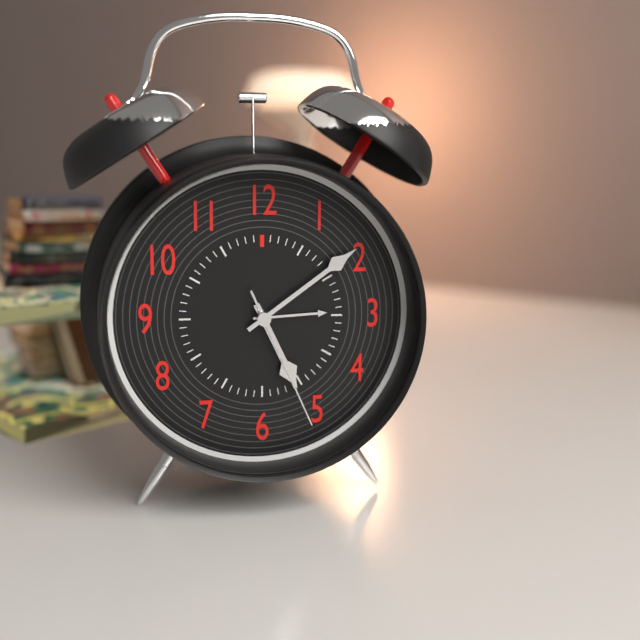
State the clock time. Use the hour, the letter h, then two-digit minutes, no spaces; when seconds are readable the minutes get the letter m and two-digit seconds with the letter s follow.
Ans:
5h09m26s
